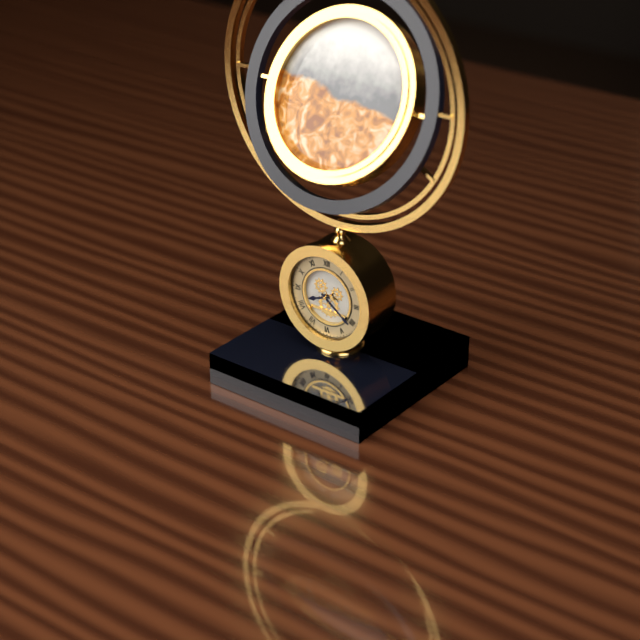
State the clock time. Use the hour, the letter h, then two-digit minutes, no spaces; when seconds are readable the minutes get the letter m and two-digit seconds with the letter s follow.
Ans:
8h21
